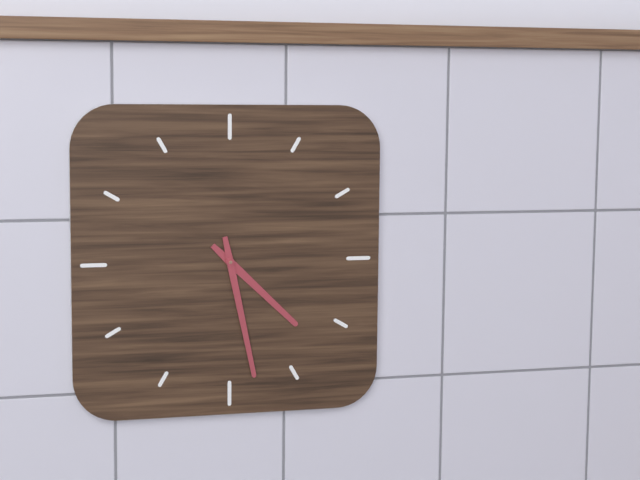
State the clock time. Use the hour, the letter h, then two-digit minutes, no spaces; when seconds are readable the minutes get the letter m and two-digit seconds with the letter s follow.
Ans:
4h28
